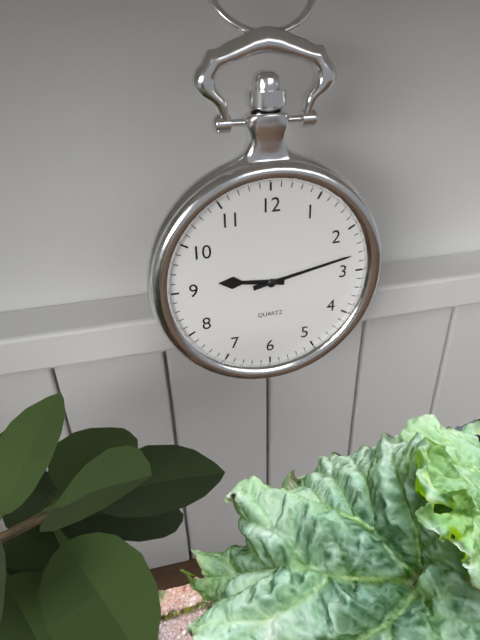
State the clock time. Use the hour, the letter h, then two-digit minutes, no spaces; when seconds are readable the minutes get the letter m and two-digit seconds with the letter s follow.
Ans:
9h13
